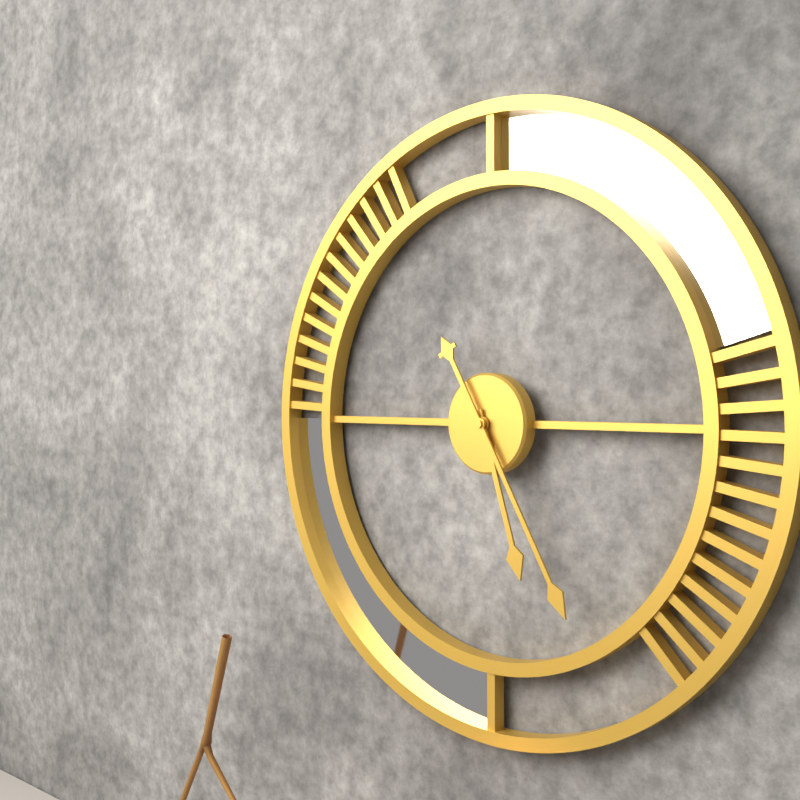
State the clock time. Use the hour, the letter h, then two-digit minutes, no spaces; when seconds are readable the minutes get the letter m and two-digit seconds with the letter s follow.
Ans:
5h25
